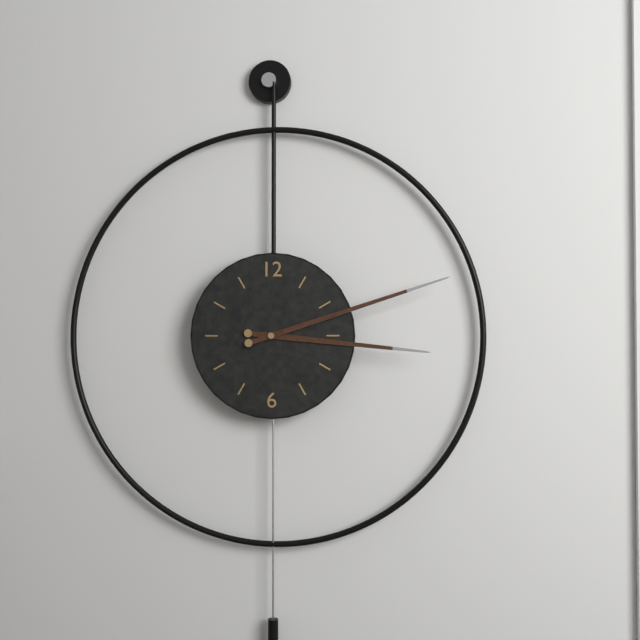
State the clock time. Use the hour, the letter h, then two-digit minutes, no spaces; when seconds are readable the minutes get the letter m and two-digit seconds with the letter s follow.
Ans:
3h12
